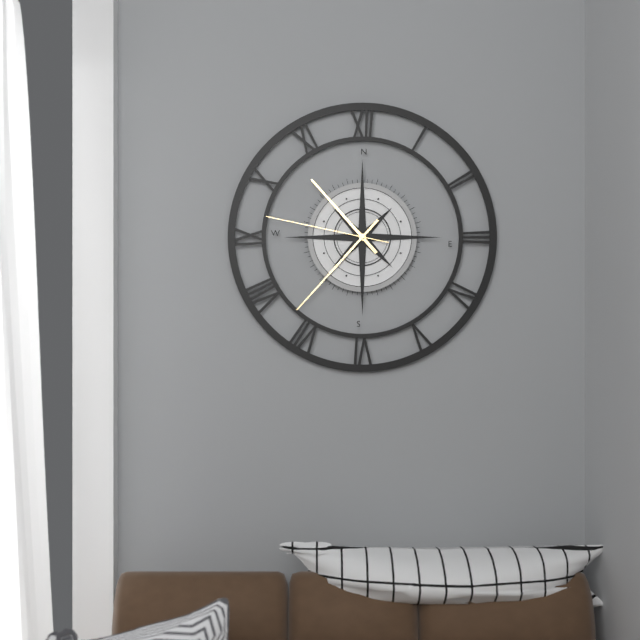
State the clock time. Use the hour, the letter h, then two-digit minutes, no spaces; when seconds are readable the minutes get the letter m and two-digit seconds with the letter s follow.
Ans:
10h37m47s
